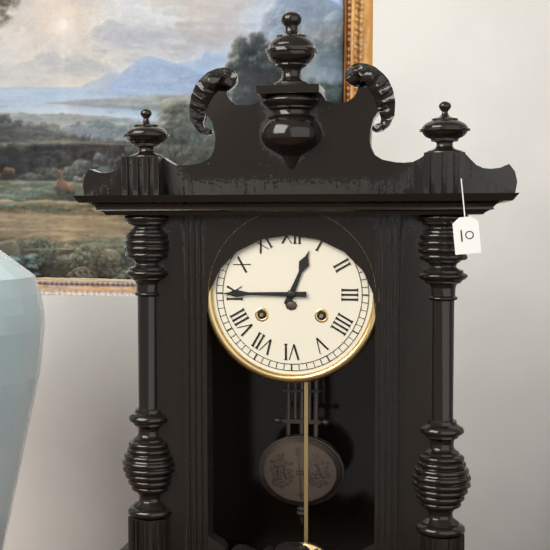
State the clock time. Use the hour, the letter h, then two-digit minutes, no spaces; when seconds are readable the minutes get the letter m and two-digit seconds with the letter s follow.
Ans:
12h45
